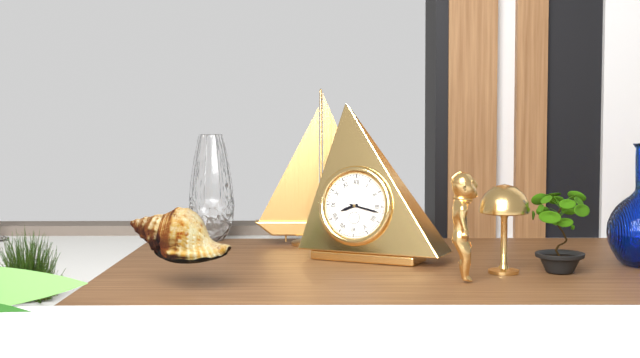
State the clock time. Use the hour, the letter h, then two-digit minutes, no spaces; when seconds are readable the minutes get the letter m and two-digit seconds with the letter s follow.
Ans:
8h17
